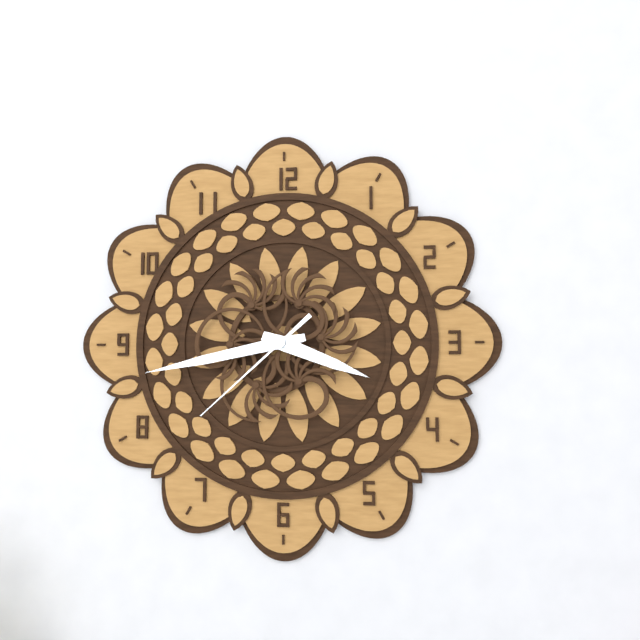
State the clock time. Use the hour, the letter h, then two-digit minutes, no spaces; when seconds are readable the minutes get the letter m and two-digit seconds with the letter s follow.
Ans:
3h43m38s
